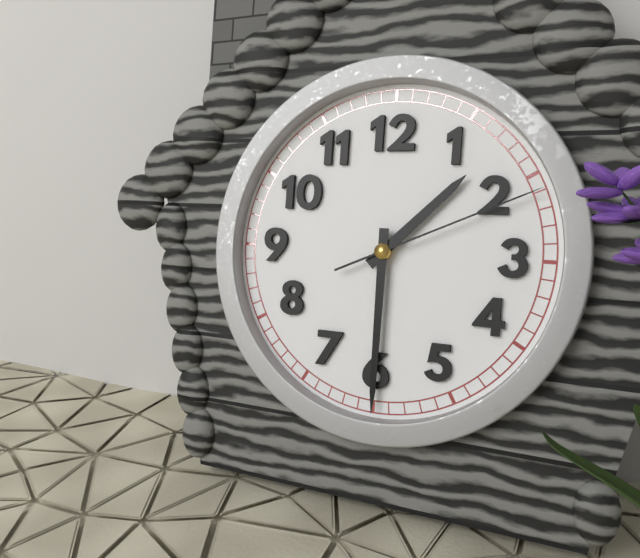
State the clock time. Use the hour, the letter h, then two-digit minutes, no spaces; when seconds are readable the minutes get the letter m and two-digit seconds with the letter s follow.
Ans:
1h30m11s
